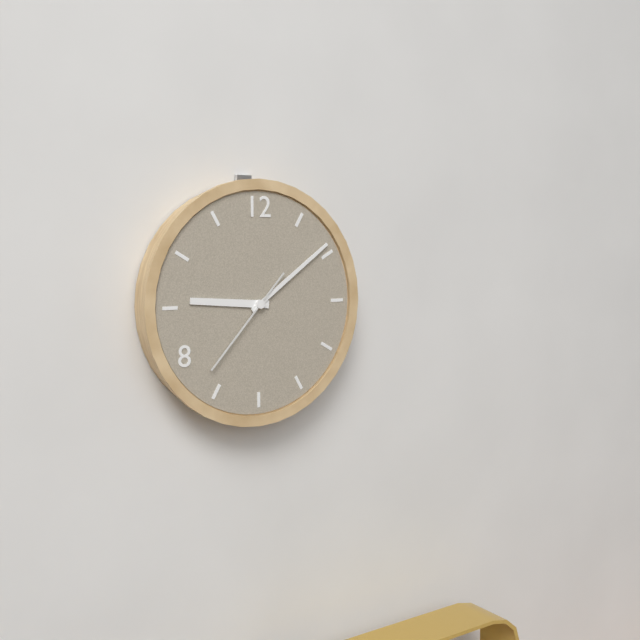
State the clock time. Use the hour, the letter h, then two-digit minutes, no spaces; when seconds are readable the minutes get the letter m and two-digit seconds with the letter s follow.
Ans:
9h09m37s
